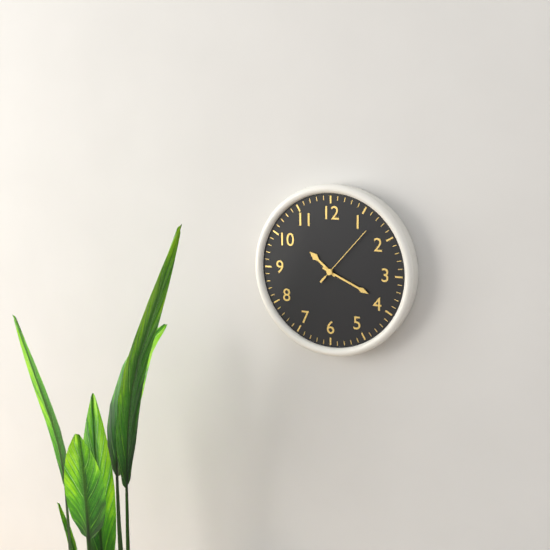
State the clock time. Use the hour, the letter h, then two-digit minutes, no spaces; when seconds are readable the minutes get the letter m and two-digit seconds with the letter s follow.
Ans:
10h19m07s
